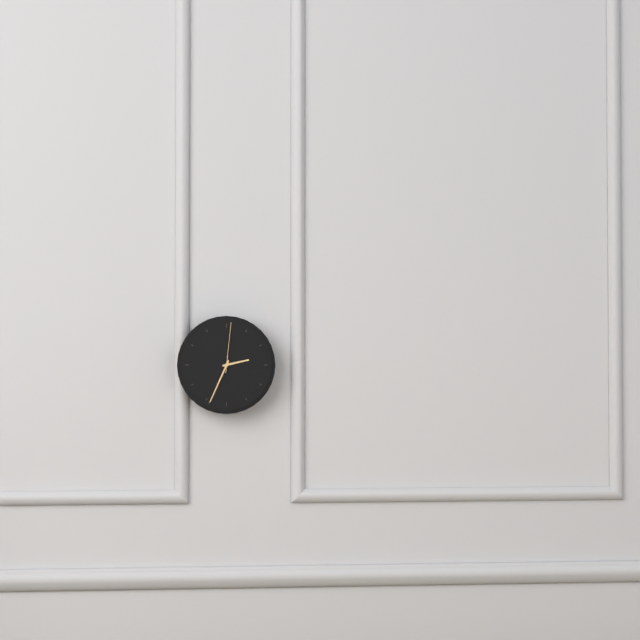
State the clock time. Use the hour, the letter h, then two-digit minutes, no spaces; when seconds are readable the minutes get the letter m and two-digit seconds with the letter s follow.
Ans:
2h34m01s
